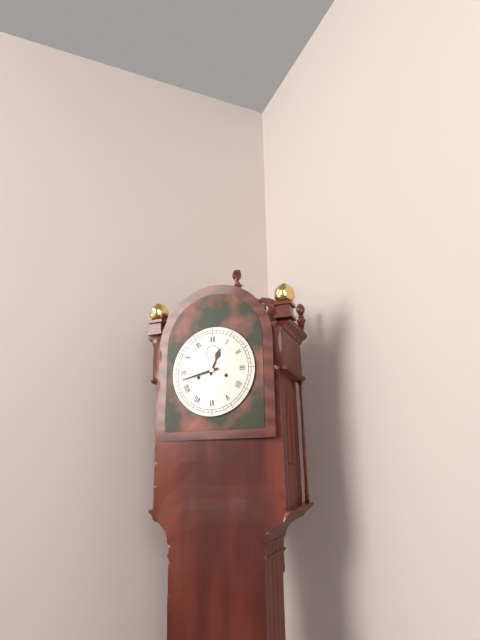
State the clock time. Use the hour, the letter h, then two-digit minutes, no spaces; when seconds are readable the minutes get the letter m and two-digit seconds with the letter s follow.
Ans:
12h43
